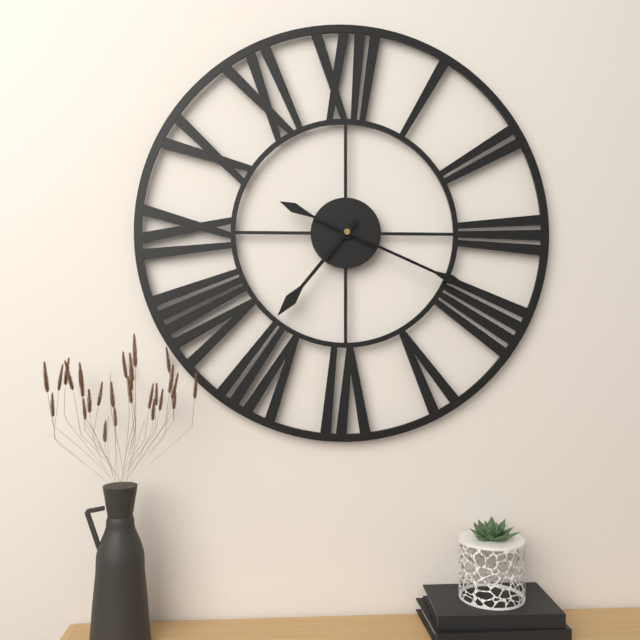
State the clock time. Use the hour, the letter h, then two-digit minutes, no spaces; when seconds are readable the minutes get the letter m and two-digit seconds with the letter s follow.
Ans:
7h19
